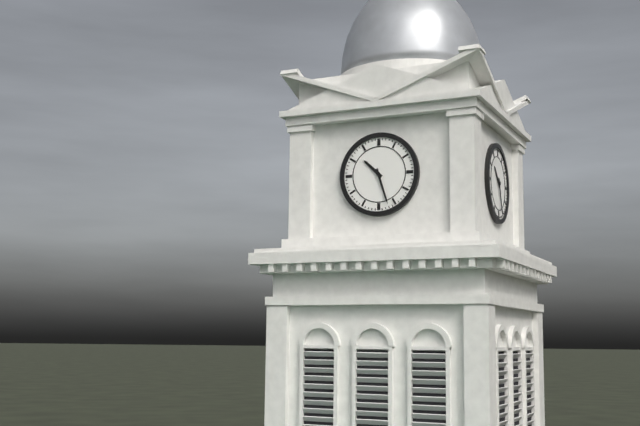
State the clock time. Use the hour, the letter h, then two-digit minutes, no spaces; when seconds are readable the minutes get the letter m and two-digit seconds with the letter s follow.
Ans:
10h27
